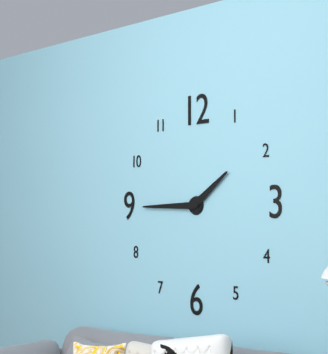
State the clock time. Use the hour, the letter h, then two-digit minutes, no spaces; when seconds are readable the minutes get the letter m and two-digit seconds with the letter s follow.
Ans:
1h45
